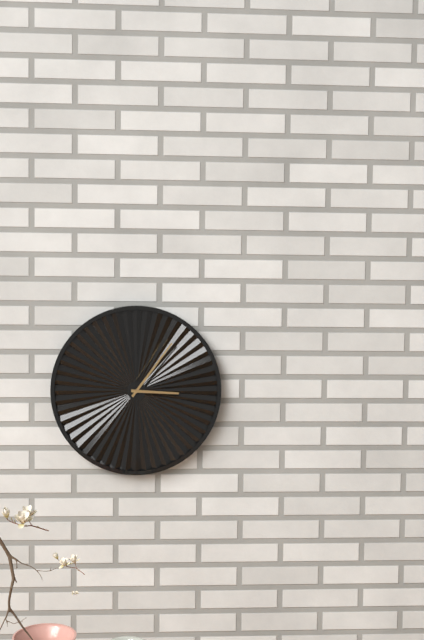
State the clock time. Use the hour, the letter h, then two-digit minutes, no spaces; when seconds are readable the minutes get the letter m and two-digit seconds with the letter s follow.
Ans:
3h06
